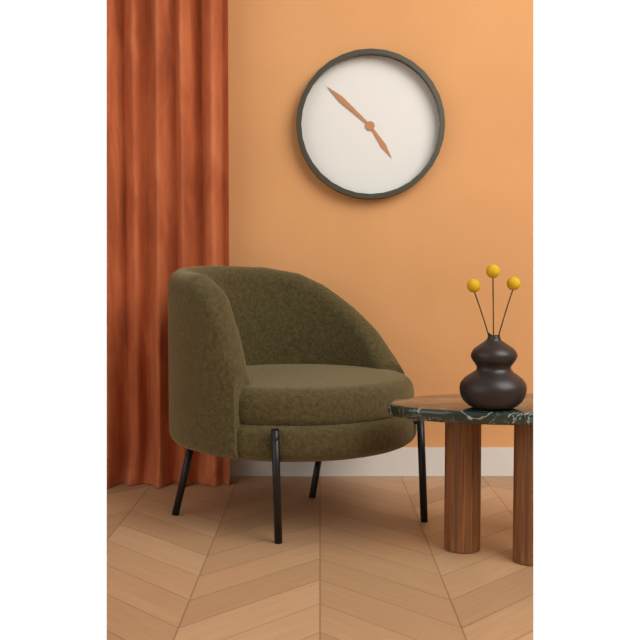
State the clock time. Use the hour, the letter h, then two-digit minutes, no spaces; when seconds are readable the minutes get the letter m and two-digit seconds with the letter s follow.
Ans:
4h52
